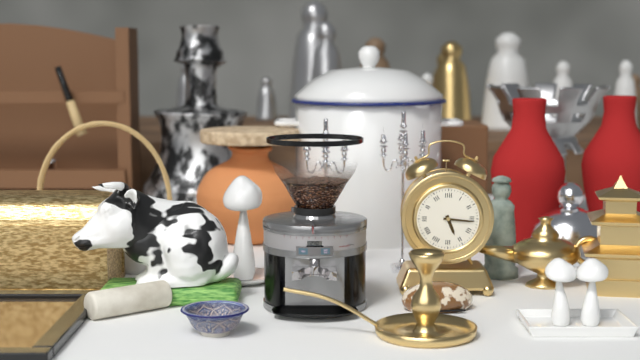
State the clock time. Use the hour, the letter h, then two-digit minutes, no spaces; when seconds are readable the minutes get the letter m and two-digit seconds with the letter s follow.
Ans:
5h16
